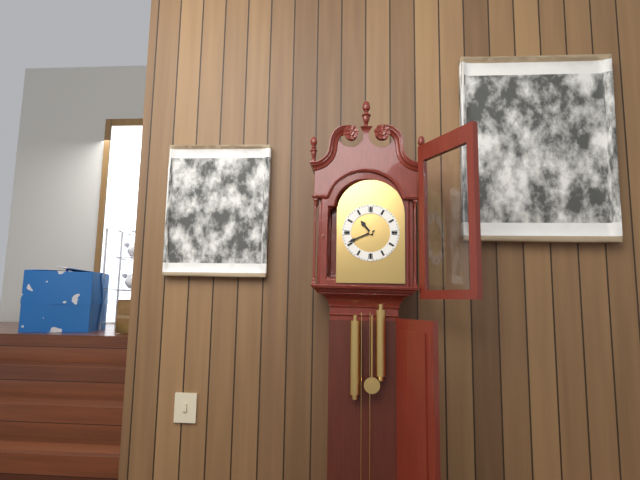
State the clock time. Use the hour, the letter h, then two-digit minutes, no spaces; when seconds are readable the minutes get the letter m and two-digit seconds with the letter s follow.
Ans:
10h41
